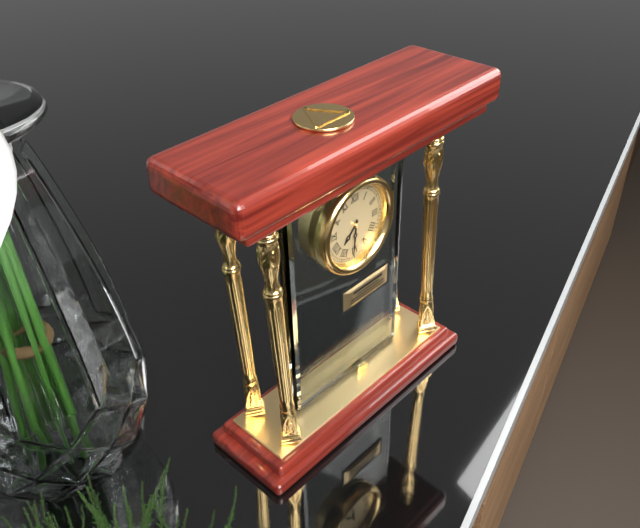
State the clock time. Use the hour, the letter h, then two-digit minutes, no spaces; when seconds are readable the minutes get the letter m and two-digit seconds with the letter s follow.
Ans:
7h31
